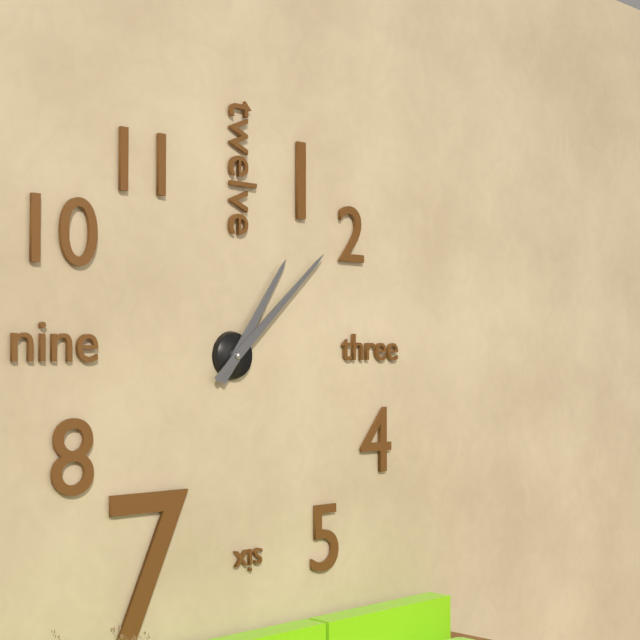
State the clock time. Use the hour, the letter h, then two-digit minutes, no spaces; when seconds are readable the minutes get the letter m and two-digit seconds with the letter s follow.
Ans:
1h08
